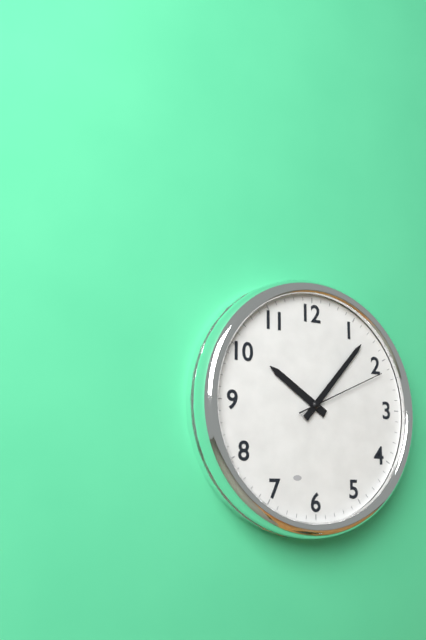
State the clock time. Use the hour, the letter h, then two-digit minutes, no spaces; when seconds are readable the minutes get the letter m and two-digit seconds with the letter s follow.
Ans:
10h07m11s
